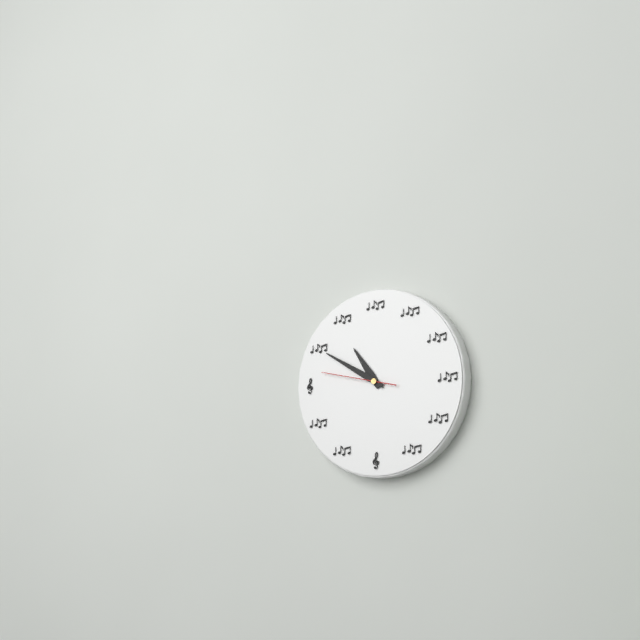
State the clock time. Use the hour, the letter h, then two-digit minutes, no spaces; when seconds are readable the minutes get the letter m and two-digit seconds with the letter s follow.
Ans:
10h50m47s
